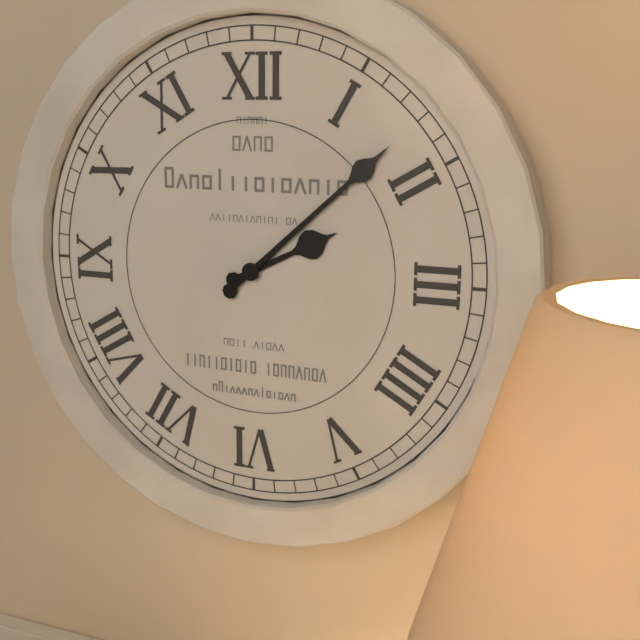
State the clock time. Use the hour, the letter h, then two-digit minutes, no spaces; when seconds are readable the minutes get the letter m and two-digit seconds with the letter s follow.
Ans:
2h08
